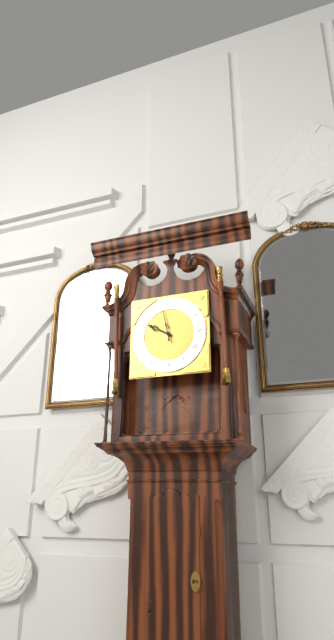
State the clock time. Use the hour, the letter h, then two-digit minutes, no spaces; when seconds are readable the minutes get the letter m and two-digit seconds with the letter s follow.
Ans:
9h58
